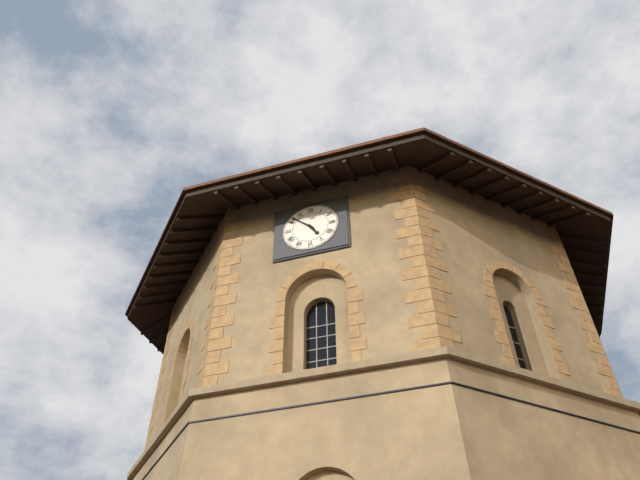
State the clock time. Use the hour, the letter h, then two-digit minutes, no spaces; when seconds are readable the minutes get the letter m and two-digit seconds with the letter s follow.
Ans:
4h52
